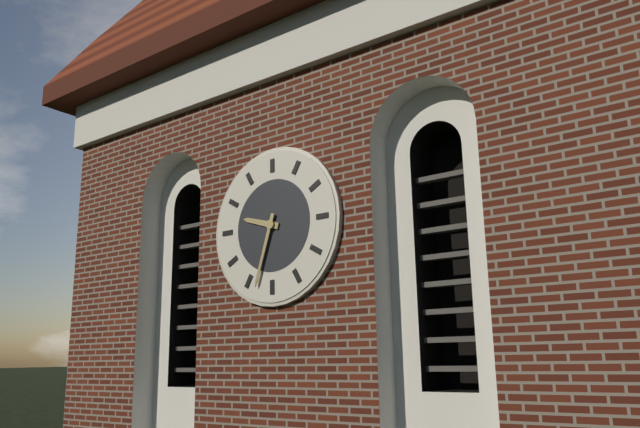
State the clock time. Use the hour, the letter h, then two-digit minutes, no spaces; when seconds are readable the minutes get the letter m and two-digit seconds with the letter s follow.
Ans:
9h33
